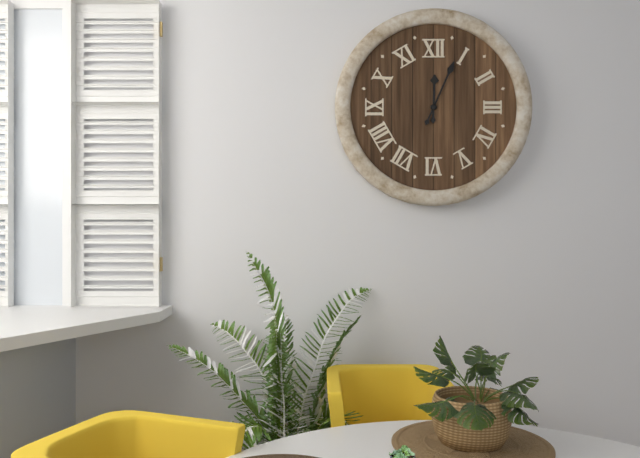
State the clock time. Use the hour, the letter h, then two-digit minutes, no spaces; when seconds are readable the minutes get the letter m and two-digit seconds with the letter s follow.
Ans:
12h04
